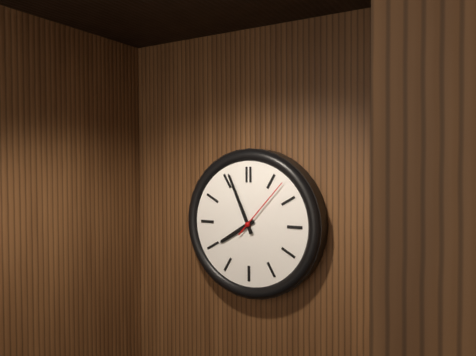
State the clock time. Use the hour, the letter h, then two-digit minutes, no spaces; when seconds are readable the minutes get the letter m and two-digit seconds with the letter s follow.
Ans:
7h56m07s
